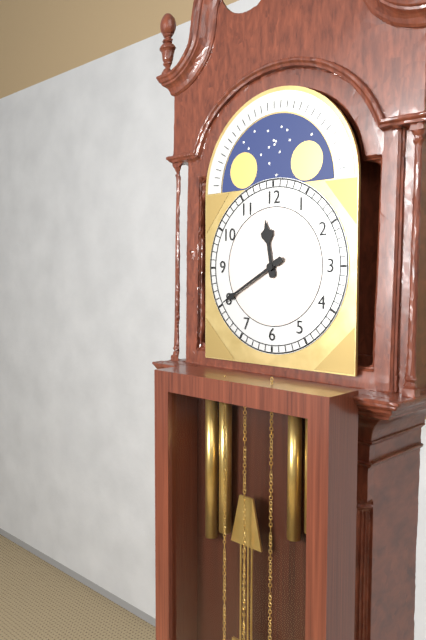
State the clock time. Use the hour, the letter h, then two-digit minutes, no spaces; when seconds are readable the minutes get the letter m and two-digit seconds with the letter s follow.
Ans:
11h40
